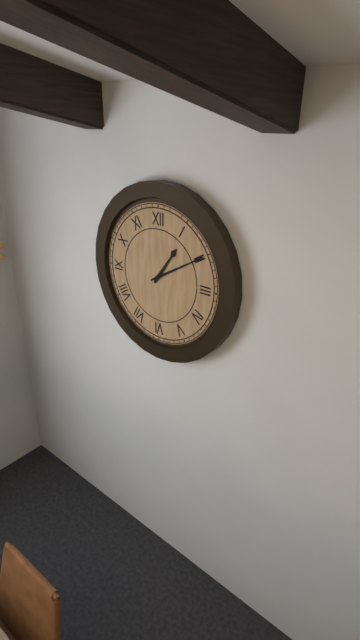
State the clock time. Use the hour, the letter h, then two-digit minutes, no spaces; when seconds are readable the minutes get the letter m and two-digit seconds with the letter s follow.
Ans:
1h10
